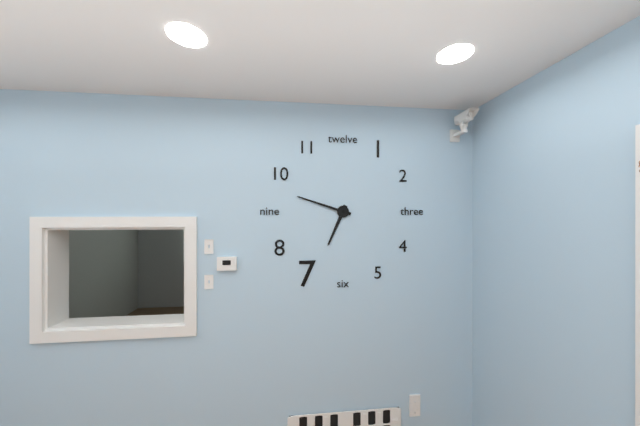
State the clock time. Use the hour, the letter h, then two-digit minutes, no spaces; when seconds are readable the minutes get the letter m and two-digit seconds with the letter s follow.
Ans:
6h48
